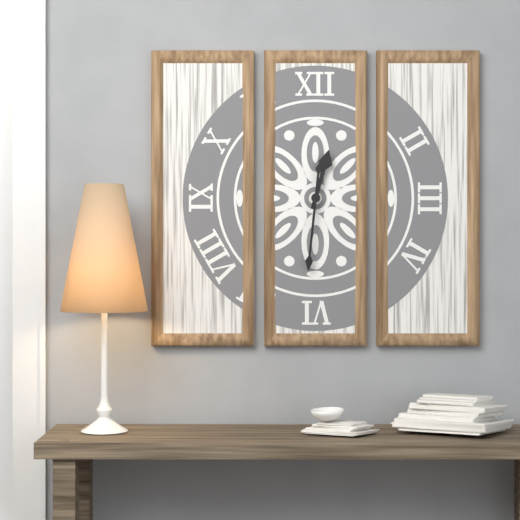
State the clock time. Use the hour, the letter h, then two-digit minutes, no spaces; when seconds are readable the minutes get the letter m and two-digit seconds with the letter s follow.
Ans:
12h31
